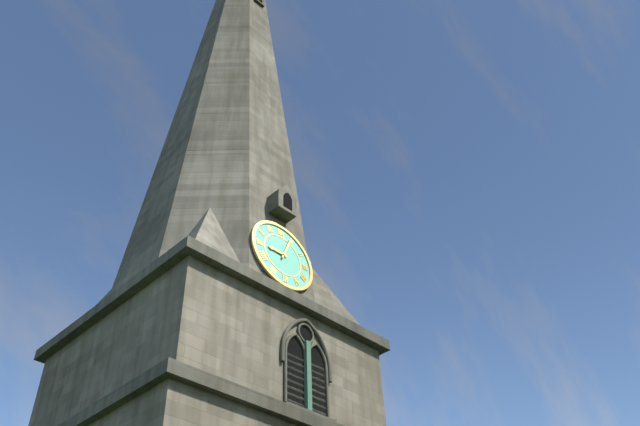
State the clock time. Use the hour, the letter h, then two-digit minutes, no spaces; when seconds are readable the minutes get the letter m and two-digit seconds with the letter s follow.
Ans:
9h04
